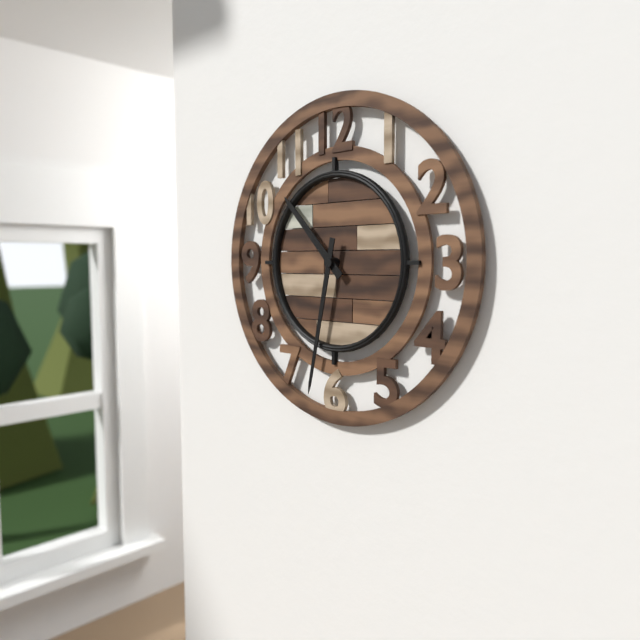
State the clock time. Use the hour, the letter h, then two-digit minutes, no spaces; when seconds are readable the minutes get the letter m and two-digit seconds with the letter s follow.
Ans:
10h32
